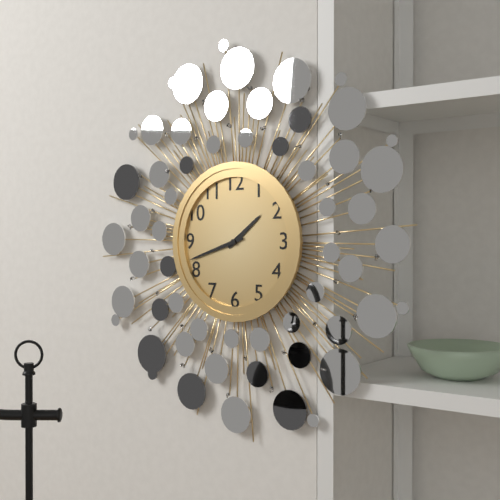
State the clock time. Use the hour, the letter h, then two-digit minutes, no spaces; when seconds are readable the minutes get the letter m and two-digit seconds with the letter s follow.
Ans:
1h42
